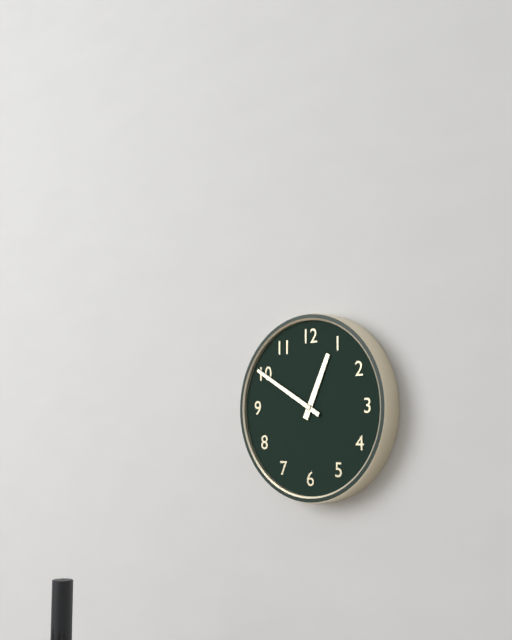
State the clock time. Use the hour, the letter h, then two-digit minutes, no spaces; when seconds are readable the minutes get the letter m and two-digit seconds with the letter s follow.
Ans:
12h50
